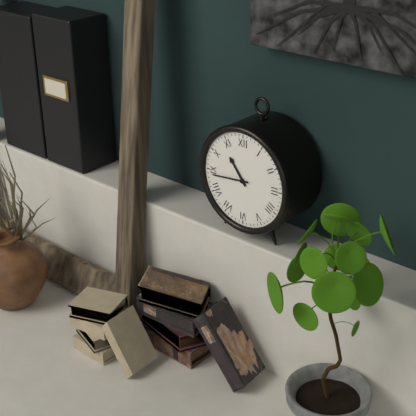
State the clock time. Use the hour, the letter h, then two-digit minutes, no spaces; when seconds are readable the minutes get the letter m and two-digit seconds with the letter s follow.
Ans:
10h44
